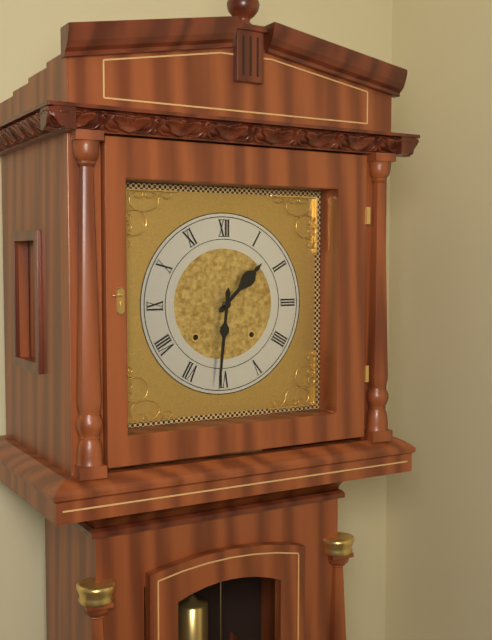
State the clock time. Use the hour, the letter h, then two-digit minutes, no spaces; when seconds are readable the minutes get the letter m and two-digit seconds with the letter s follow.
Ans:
1h31
